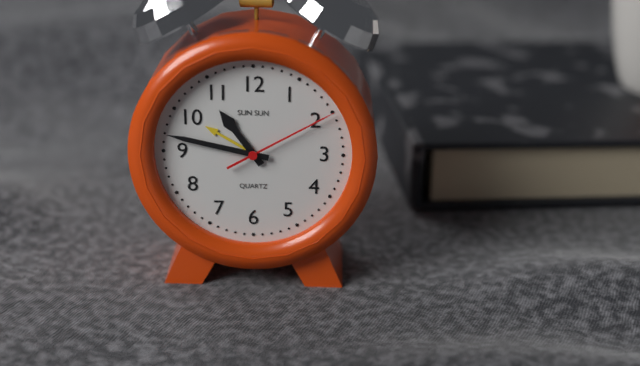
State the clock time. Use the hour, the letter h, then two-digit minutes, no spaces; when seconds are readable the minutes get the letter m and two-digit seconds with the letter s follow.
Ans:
10h47m10s
